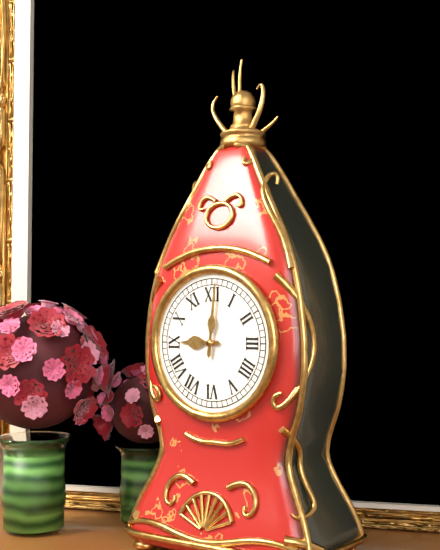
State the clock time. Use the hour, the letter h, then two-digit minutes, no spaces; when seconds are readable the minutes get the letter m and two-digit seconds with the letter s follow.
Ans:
9h01
